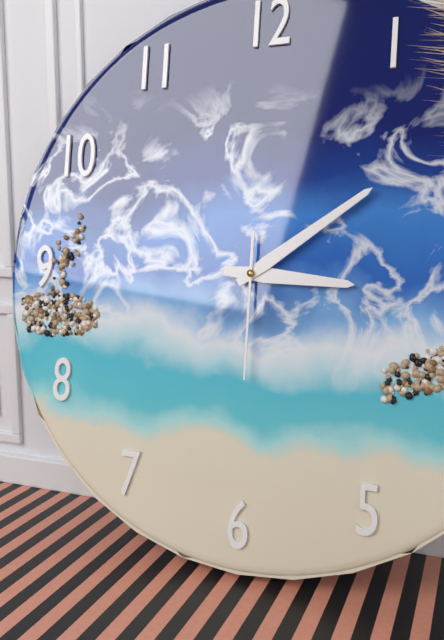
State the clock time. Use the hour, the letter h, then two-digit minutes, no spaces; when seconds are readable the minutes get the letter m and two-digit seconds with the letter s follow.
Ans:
3h09m30s
